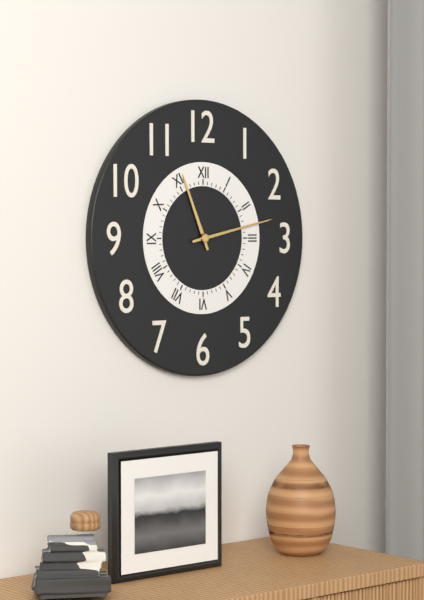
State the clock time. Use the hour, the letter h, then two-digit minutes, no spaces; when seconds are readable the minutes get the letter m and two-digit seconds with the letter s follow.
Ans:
11h13
